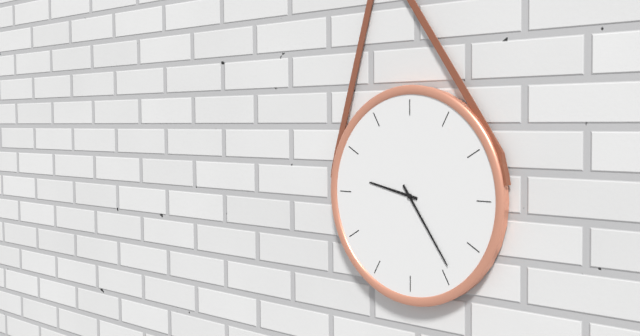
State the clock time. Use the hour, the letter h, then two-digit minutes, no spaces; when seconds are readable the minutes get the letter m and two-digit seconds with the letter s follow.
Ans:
9h24
